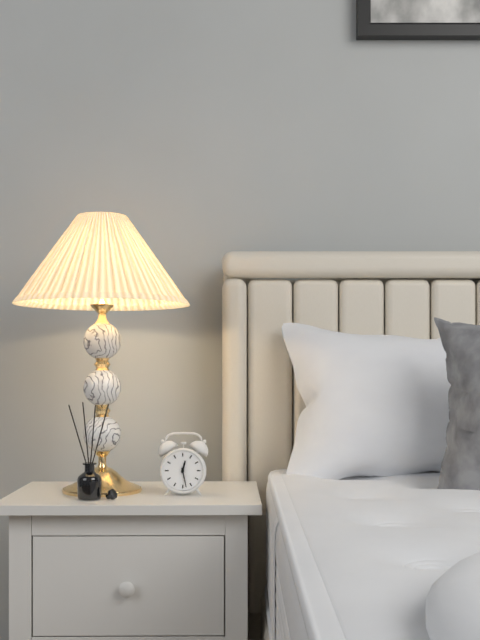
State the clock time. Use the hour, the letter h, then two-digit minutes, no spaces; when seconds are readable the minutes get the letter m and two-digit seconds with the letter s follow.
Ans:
12h28
